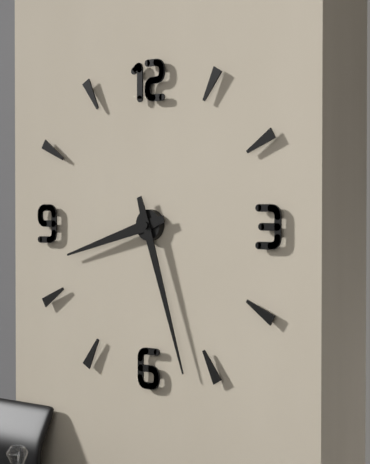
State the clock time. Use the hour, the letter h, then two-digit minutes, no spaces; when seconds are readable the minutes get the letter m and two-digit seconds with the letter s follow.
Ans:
8h27
